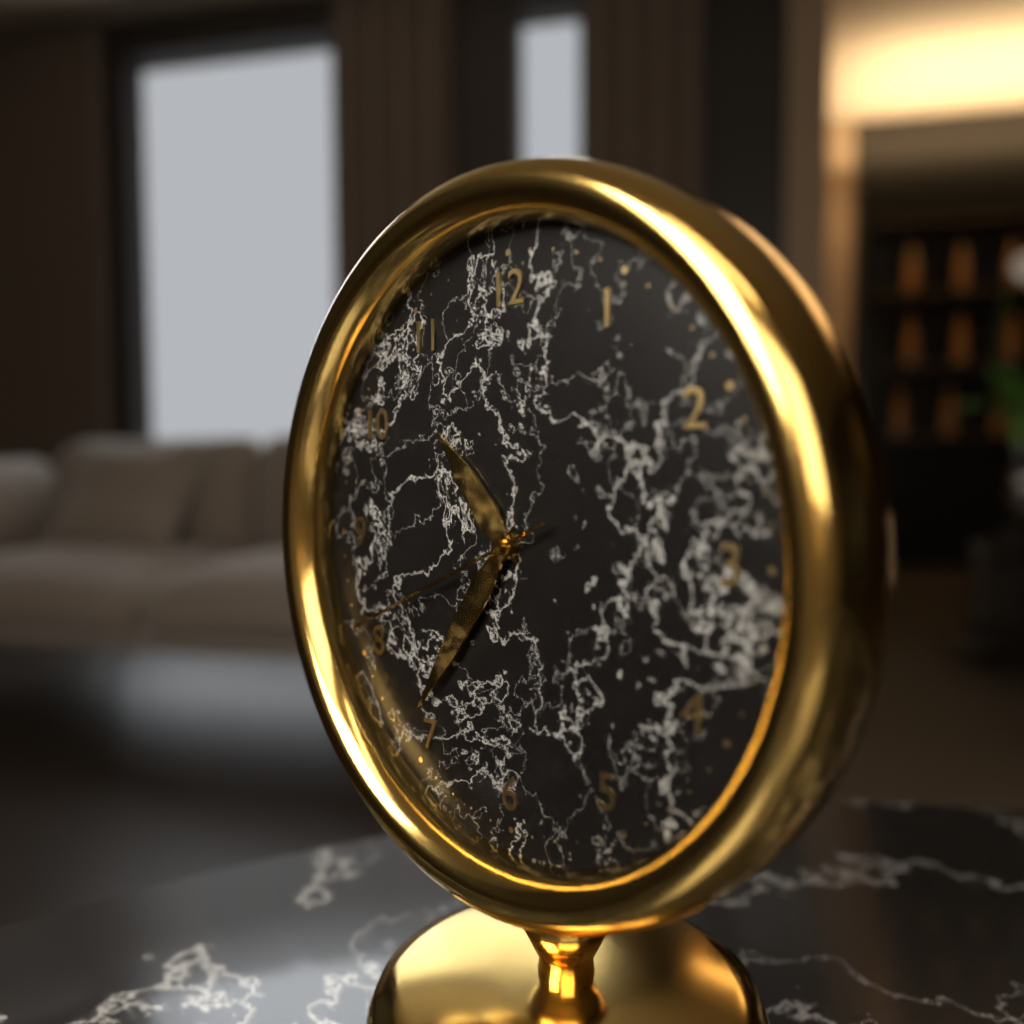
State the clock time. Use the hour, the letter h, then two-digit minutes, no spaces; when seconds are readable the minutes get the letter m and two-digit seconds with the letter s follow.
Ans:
10h36m41s
